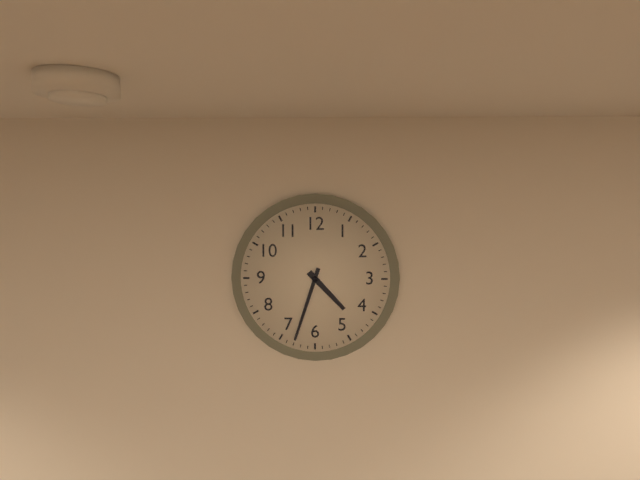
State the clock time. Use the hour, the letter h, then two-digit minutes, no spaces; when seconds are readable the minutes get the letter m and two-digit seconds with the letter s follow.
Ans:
4h33
